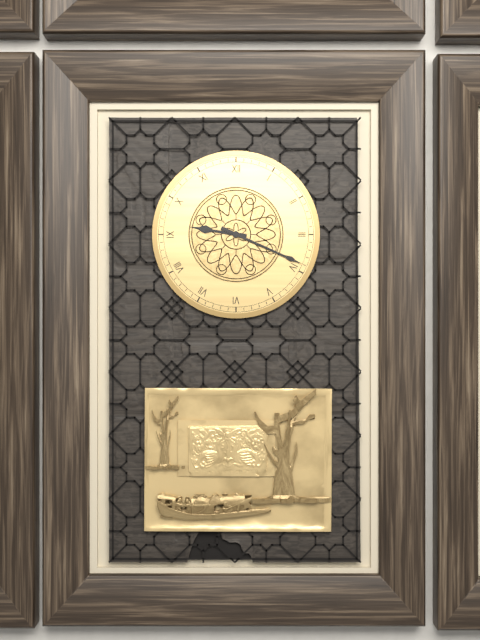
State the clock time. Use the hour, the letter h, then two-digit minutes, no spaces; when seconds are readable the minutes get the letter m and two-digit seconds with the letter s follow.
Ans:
9h19
